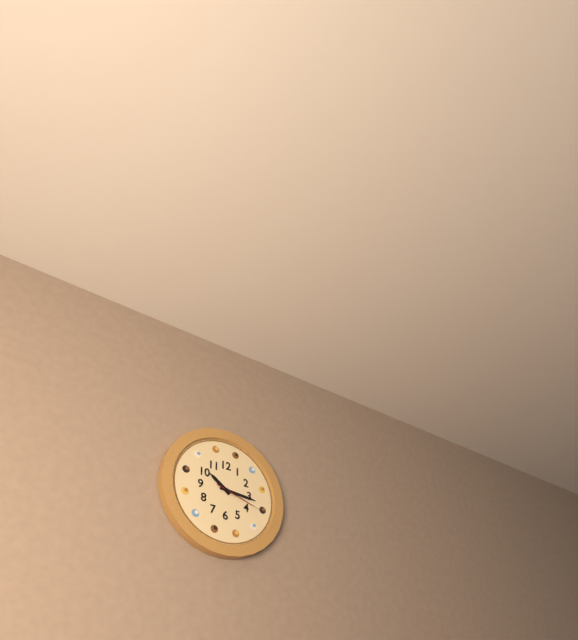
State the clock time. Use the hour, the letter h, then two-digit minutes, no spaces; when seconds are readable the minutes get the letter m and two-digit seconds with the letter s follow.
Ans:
10h16
